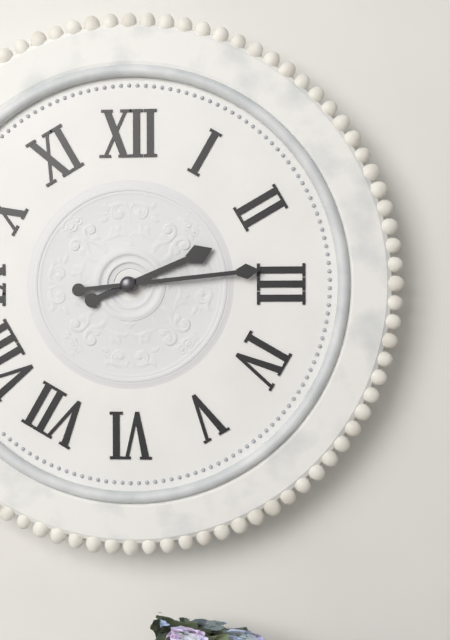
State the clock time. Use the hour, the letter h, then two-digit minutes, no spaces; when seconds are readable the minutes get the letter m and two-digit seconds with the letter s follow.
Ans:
2h14
